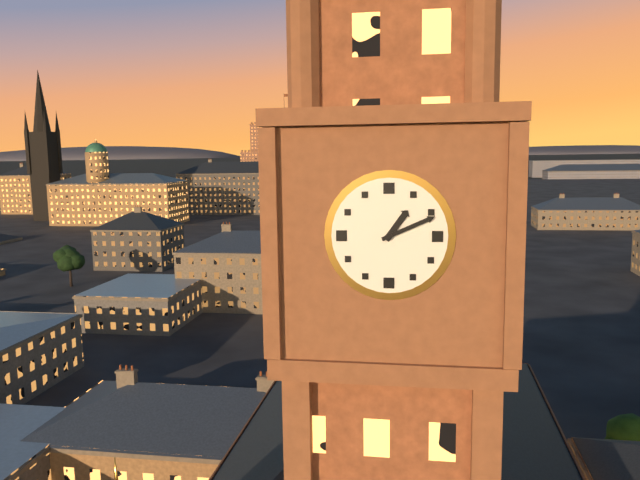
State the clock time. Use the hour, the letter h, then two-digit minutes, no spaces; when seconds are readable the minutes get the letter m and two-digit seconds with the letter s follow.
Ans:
1h11
